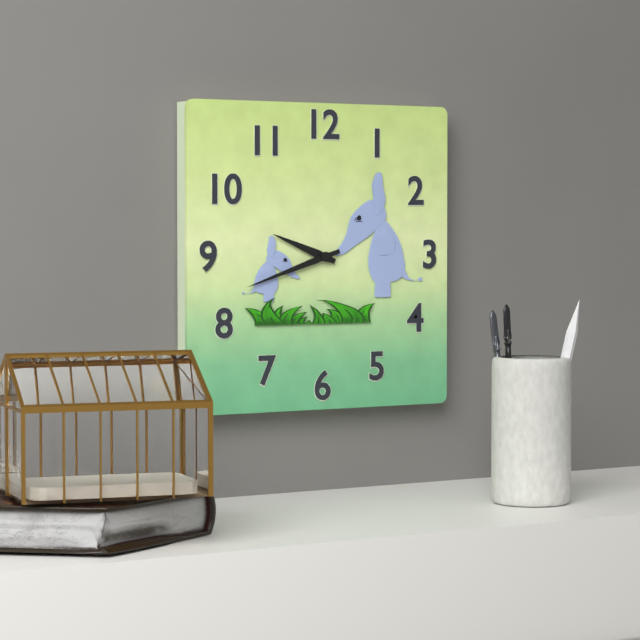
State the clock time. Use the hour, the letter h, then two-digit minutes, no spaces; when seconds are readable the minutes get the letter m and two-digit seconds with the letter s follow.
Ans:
9h42
